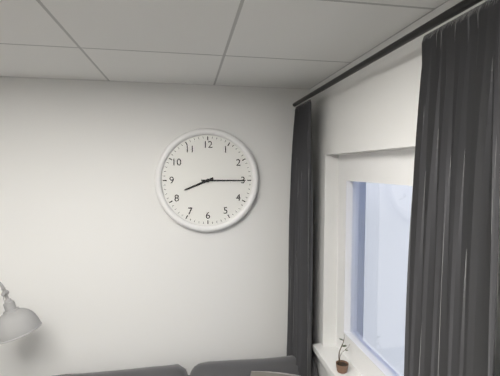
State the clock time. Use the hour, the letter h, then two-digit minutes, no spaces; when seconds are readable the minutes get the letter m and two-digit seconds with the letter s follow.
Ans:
8h15
